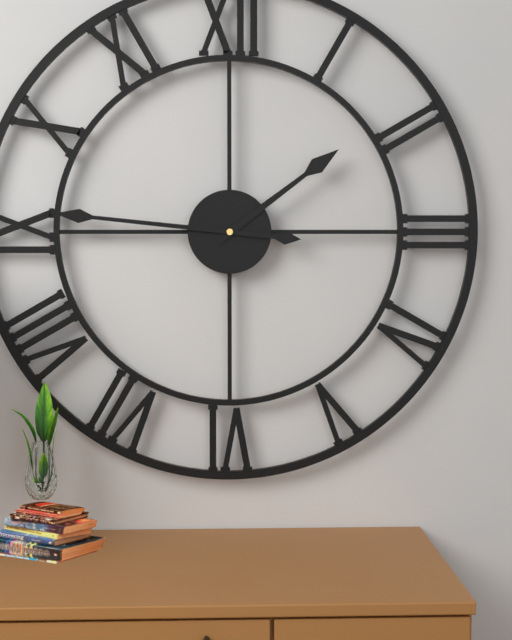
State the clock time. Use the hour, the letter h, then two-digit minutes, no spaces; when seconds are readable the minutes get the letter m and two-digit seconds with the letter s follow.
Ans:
1h46
